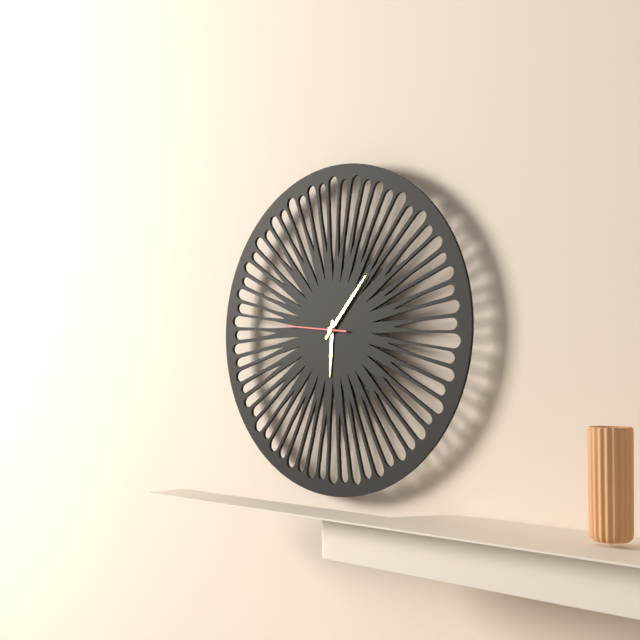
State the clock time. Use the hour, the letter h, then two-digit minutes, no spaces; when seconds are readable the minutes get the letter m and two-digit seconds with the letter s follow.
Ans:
6h07m46s
